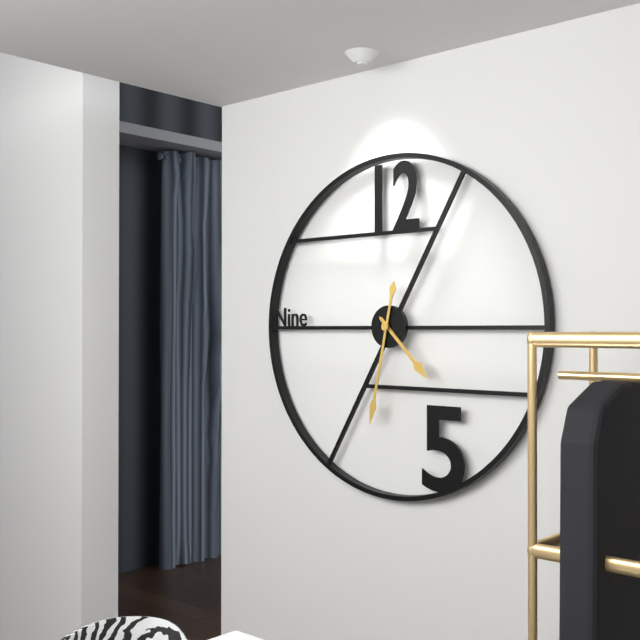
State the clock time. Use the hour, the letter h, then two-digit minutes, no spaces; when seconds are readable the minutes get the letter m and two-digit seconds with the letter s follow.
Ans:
4h32
